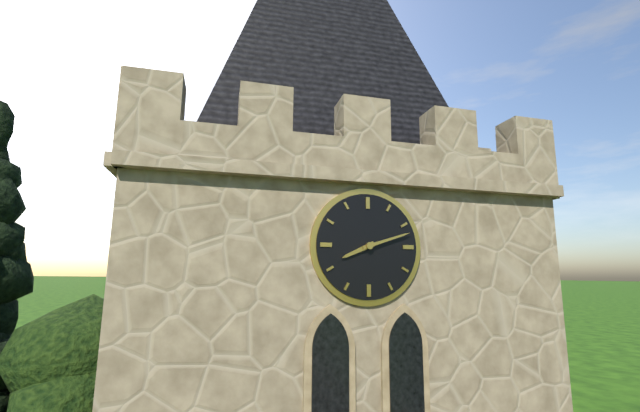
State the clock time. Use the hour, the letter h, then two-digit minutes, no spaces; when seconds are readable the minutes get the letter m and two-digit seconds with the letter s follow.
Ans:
8h12
